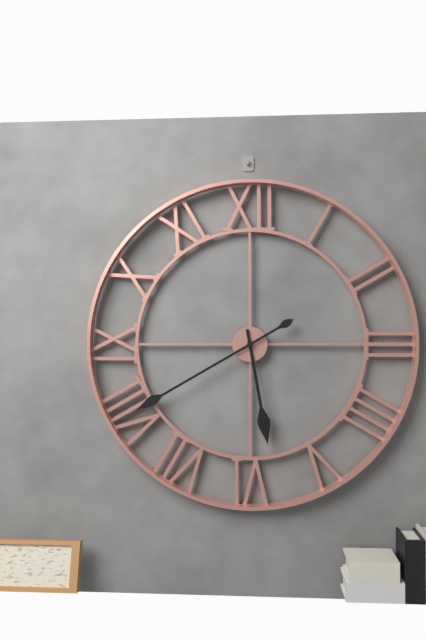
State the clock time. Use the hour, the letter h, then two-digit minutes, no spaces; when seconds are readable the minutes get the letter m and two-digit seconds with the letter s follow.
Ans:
5h40
